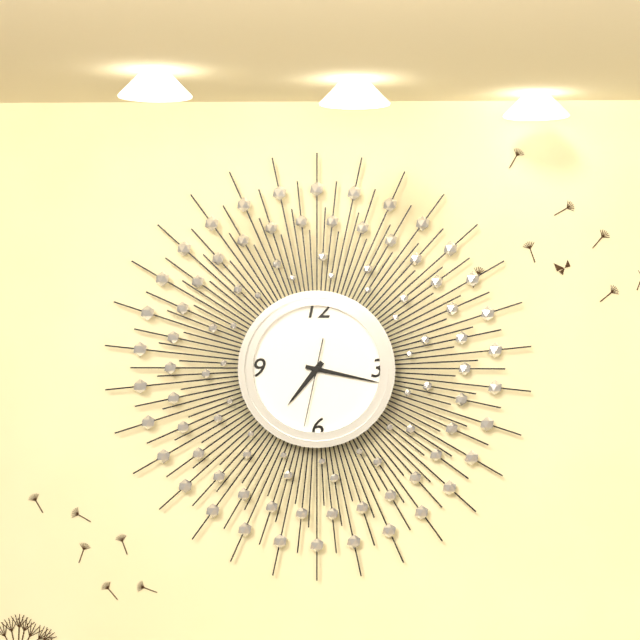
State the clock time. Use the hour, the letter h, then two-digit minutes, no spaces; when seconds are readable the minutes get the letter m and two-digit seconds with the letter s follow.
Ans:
7h17m32s
